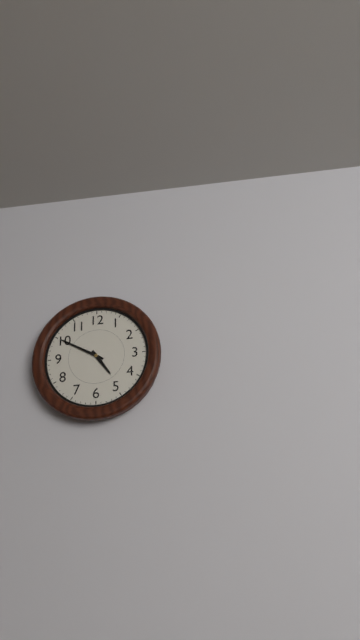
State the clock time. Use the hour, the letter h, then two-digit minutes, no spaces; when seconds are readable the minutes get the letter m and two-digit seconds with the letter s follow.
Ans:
4h50
